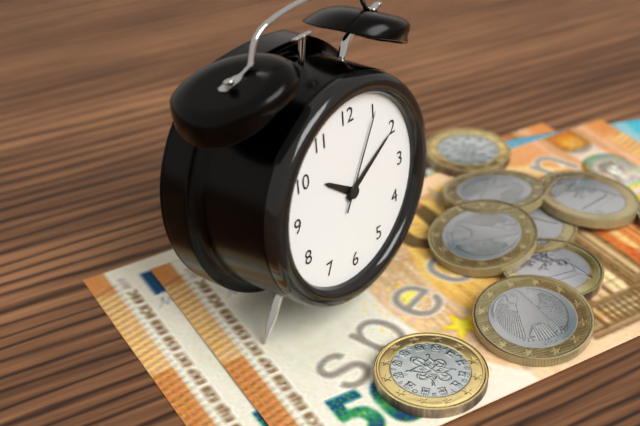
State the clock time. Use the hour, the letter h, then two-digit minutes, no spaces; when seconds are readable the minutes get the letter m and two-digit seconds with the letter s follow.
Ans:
10h10m05s
